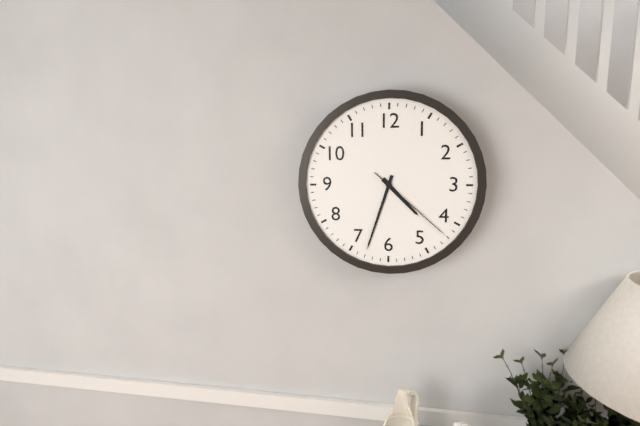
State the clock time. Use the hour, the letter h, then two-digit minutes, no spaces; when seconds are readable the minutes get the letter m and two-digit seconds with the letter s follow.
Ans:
4h33m22s
